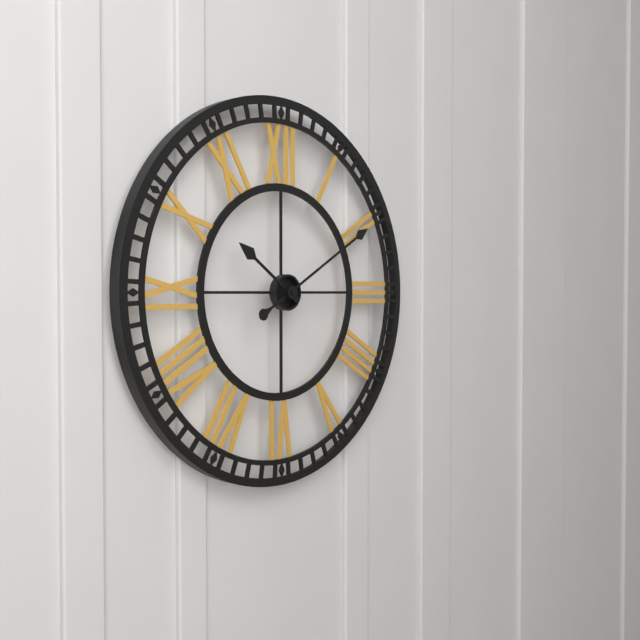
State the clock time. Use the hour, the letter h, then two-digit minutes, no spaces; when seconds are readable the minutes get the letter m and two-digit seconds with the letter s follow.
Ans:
10h10
